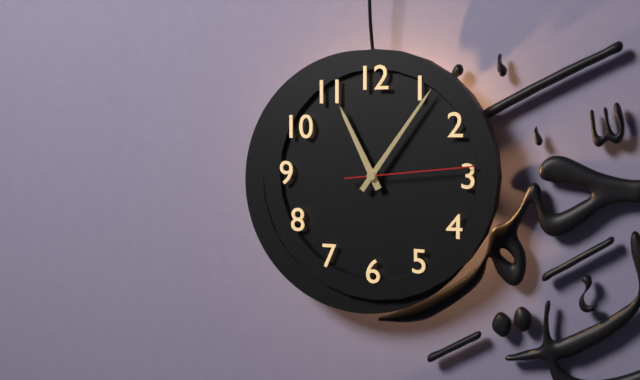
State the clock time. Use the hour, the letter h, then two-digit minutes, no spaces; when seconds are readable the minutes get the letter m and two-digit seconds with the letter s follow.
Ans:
11h06m14s
